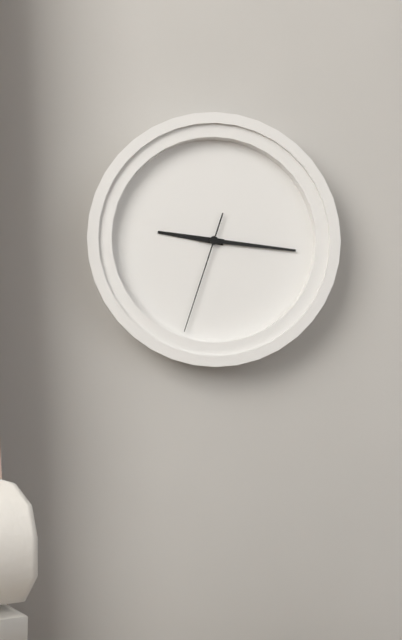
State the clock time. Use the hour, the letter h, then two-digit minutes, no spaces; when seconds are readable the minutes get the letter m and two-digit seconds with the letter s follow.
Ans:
9h16m33s
